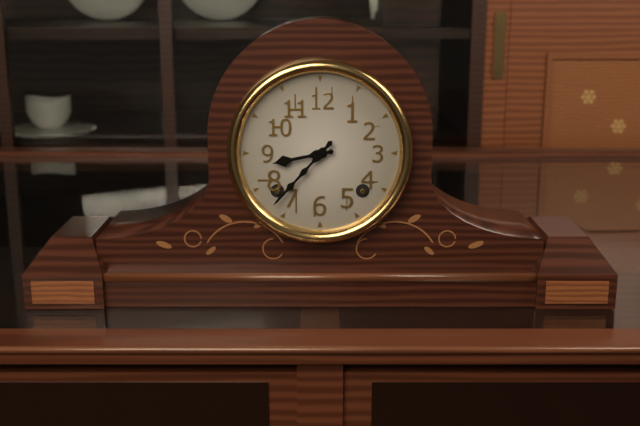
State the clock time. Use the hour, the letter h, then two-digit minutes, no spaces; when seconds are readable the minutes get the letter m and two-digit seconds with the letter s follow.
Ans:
8h37
